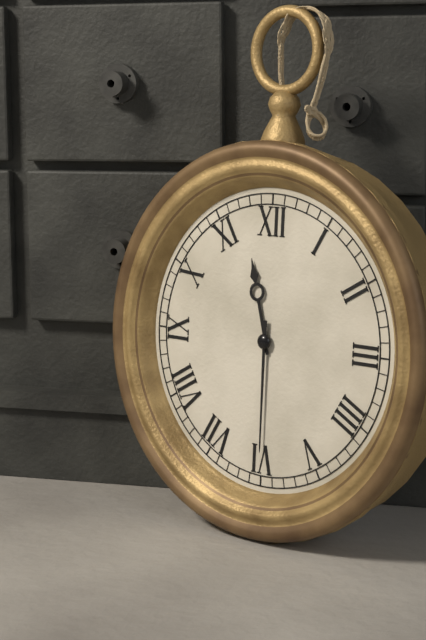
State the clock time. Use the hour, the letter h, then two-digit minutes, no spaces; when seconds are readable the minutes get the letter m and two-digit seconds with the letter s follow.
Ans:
11h30
